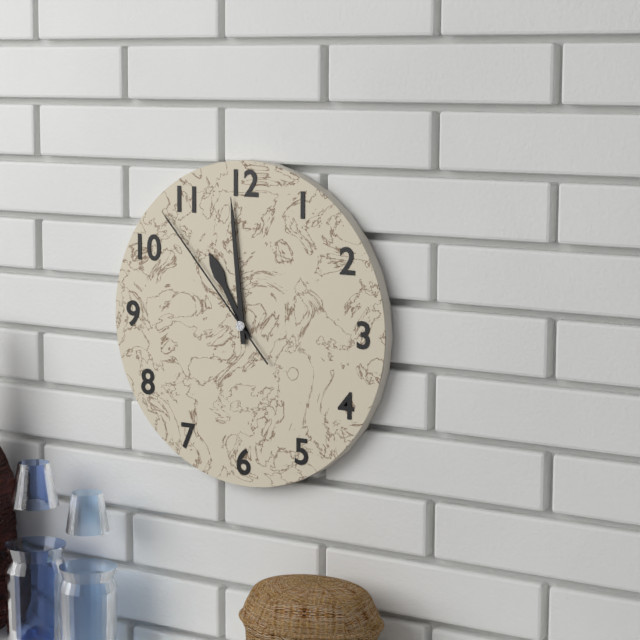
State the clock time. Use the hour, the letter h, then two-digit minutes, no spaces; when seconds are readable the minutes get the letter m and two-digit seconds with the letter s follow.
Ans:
10h59m53s
